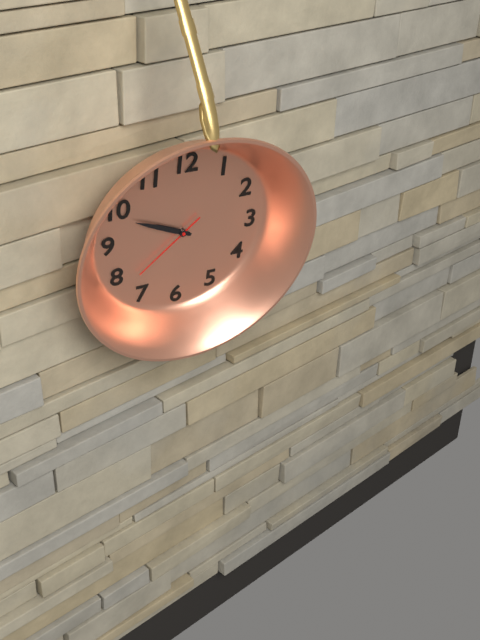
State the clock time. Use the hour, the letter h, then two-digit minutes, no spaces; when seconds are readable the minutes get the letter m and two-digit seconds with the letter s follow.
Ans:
9h49m38s
